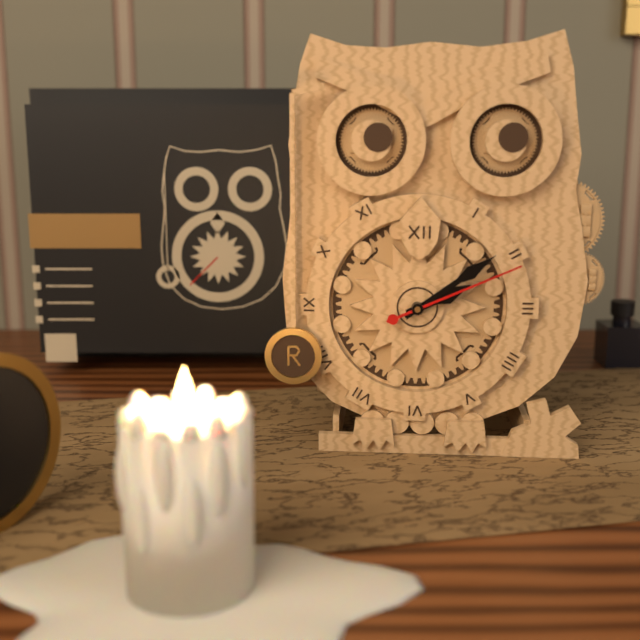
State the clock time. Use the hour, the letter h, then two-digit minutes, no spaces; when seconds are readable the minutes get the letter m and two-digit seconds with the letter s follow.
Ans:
2h09m11s
